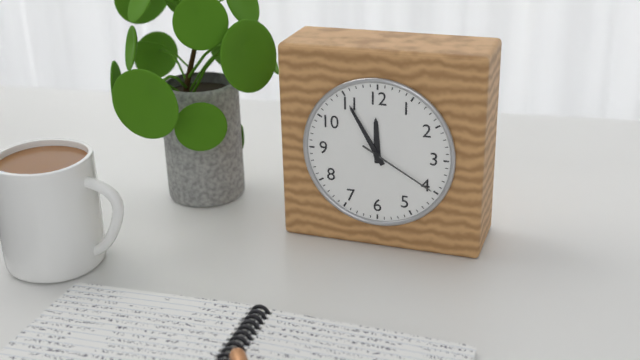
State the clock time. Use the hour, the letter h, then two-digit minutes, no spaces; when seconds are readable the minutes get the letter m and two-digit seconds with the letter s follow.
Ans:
11h55m20s
